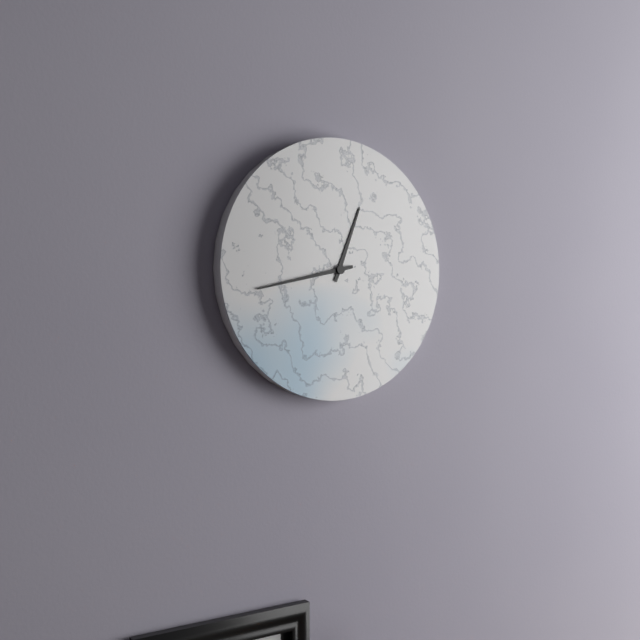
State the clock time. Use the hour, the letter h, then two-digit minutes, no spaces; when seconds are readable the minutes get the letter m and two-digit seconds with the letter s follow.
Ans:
12h43
